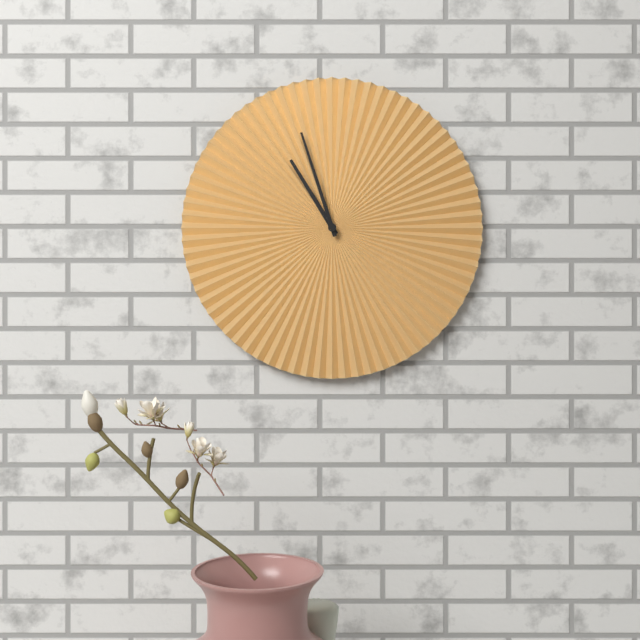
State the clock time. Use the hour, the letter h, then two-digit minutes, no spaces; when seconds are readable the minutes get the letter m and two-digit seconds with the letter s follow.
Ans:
10h57
